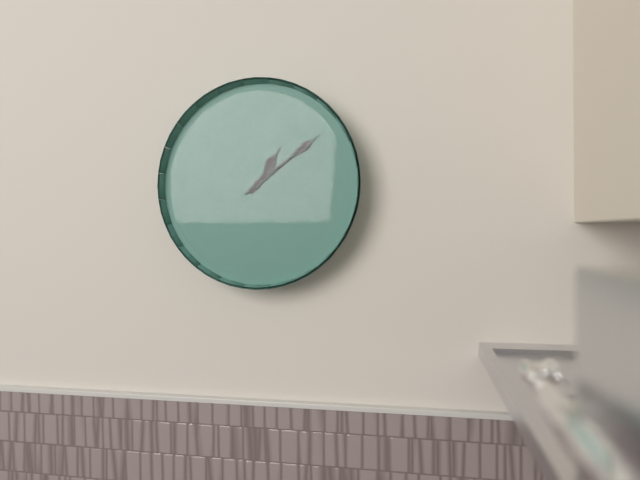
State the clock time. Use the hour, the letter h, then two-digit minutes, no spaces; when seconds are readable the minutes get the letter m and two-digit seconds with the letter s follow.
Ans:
1h09
